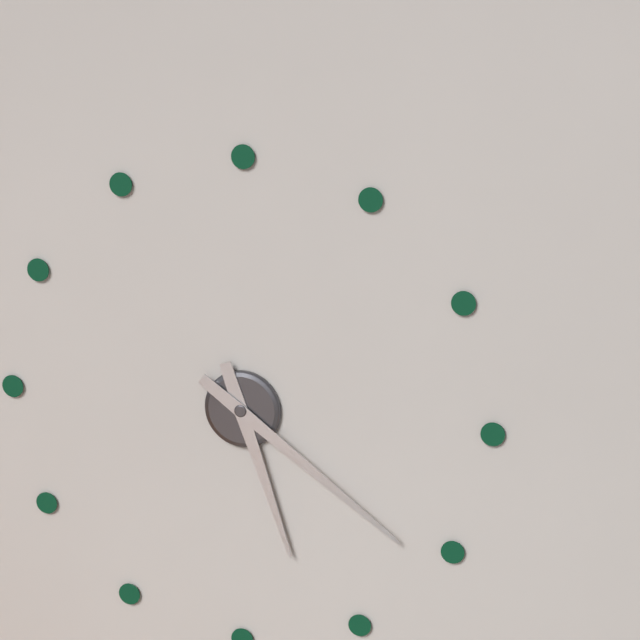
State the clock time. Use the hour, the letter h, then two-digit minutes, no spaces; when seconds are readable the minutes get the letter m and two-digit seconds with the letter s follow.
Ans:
5h21
